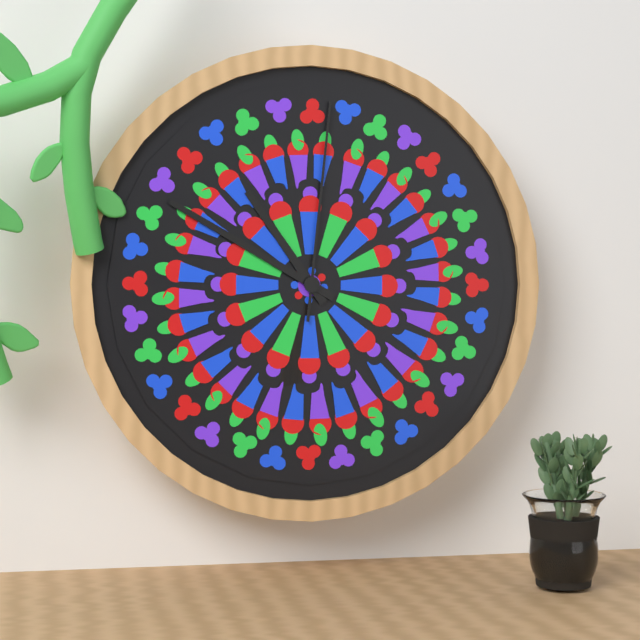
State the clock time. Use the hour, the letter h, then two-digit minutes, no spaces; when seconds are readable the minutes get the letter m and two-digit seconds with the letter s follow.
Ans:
10h50m01s
